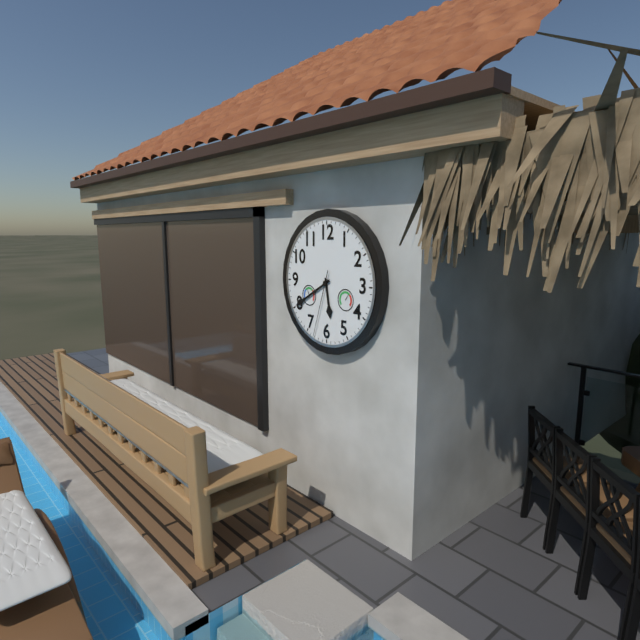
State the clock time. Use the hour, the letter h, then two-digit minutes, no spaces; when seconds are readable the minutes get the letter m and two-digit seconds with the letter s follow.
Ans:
5h40m33s
